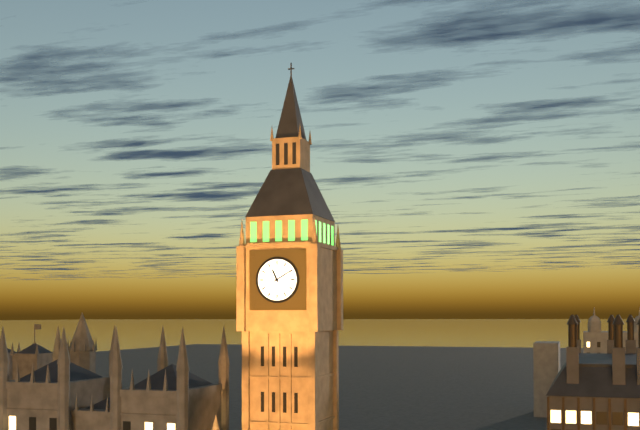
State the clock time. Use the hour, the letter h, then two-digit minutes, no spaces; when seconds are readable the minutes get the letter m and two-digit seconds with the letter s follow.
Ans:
11h10
